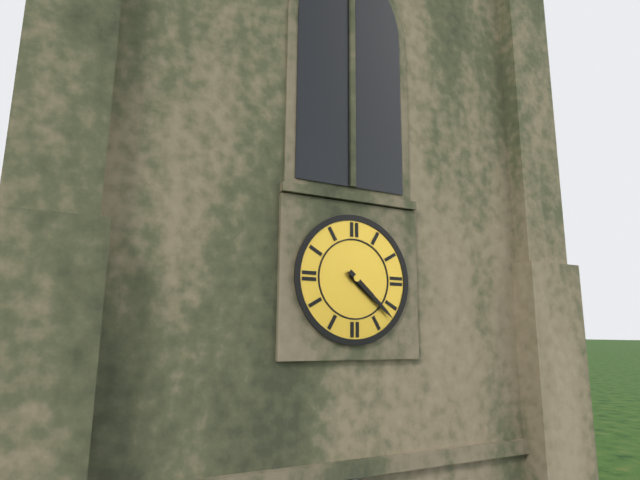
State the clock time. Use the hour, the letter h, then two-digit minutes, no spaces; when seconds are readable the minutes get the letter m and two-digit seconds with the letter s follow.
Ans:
4h22
